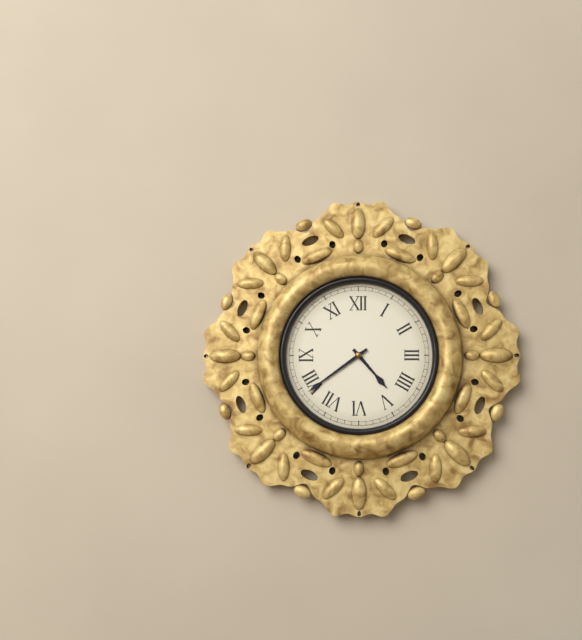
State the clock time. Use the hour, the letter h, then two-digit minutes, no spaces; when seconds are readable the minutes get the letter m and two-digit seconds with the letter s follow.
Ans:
4h39
